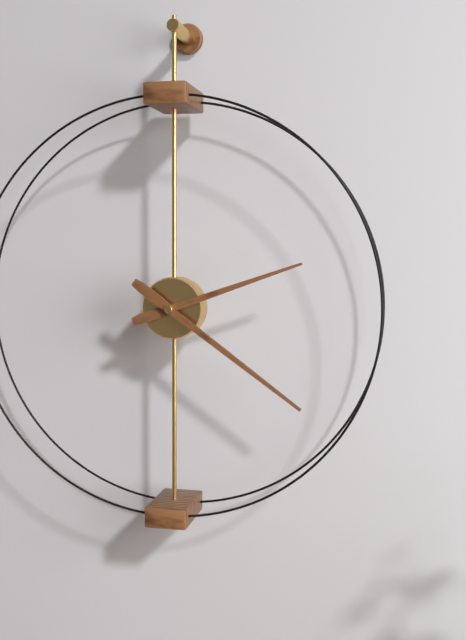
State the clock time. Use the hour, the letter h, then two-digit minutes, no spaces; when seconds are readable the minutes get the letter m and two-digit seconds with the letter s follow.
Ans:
2h21
